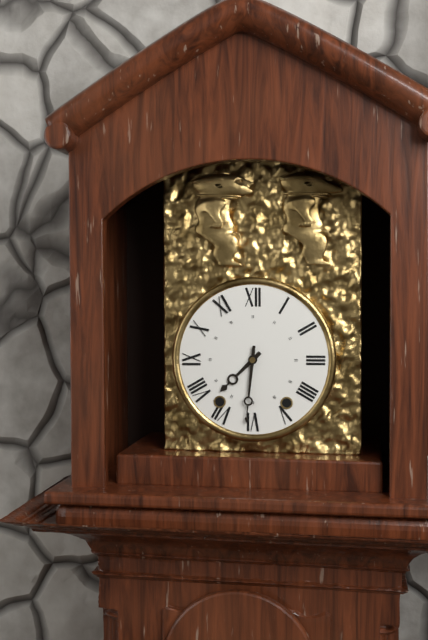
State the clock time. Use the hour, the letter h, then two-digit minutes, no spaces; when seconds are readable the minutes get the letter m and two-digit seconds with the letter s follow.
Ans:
7h31
